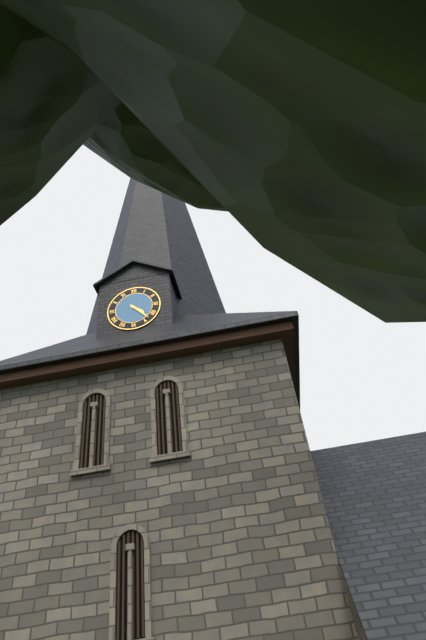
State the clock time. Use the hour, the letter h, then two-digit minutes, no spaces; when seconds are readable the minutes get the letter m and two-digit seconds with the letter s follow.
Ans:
4h23
